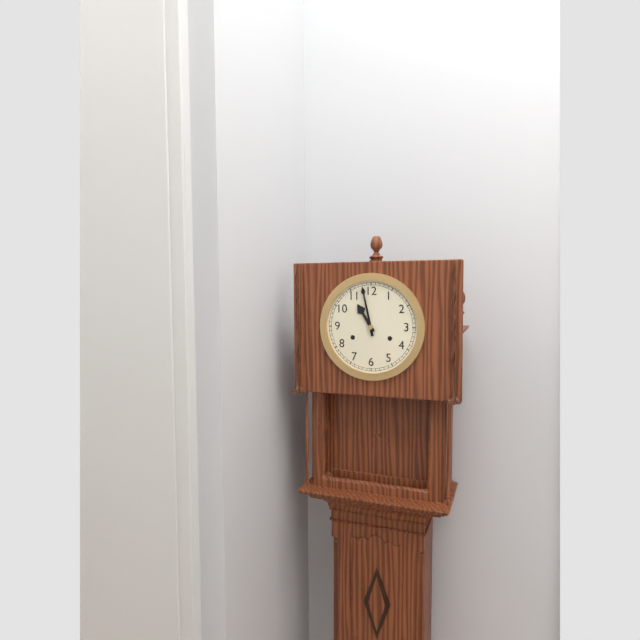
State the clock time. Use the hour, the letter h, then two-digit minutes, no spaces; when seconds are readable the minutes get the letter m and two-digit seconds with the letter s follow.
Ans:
10h58
